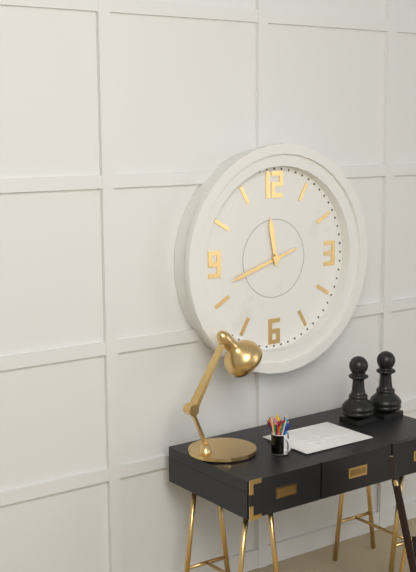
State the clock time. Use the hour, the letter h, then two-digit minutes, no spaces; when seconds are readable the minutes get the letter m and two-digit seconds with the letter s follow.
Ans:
11h42
